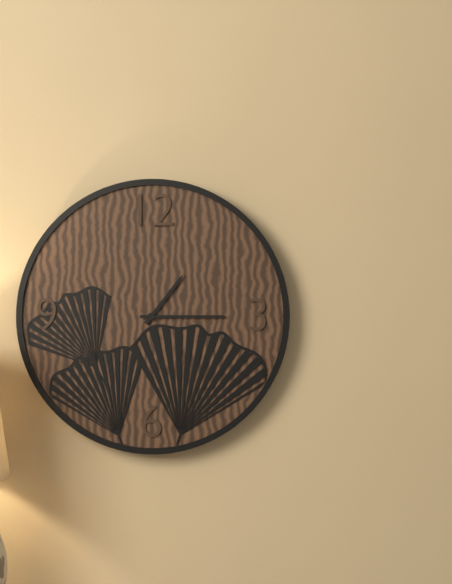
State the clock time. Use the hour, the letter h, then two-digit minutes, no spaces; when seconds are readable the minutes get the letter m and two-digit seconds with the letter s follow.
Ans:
1h15
